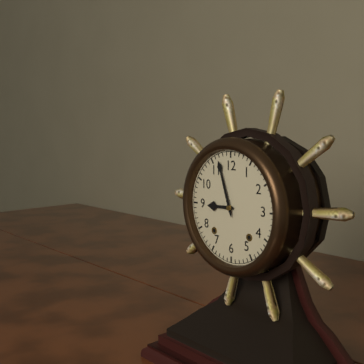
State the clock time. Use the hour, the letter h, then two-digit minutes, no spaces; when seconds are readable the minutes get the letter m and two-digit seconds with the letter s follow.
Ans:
8h57
